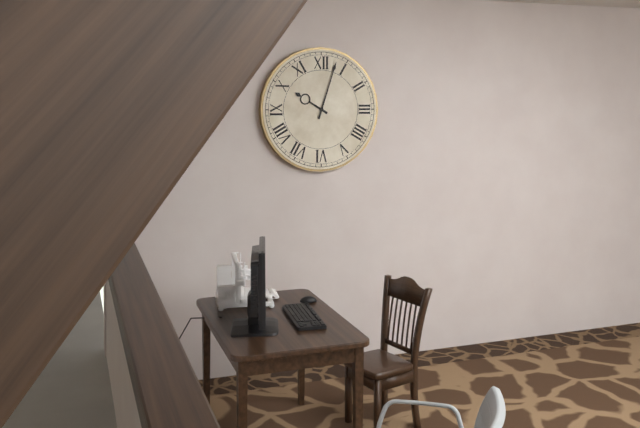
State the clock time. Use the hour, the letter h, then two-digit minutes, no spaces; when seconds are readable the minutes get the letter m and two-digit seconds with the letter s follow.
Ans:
10h03
